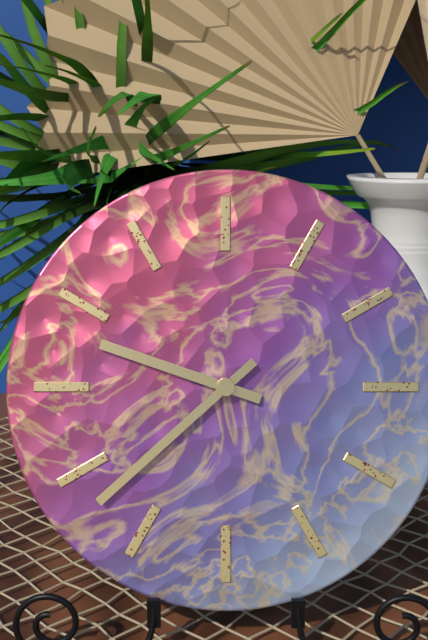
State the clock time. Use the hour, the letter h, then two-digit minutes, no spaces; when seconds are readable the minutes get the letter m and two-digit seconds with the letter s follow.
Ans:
9h38
